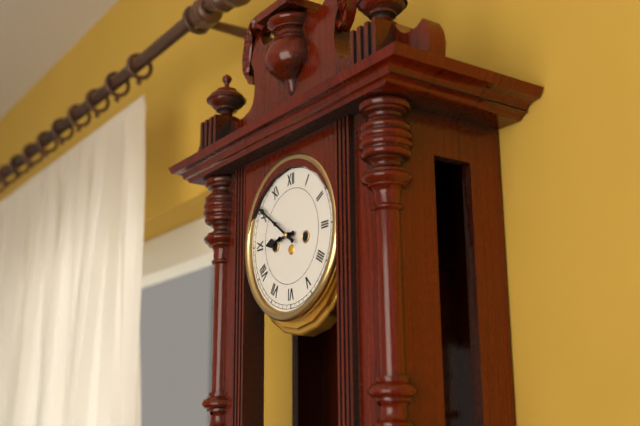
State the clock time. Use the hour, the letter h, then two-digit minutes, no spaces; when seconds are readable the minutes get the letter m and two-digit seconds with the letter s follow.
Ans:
8h51
